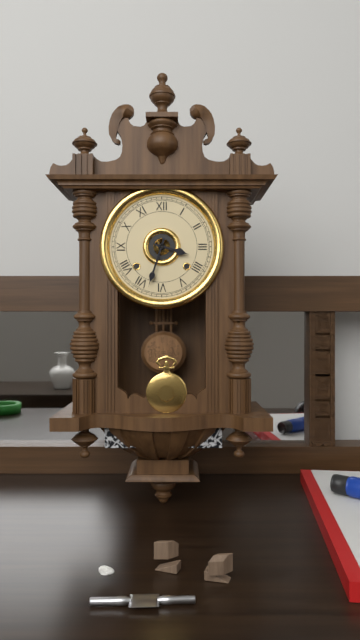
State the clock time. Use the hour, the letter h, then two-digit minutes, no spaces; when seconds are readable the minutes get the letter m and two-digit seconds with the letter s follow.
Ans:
3h33
